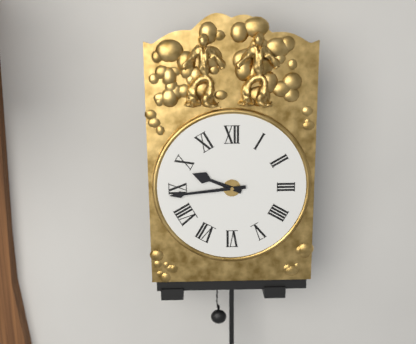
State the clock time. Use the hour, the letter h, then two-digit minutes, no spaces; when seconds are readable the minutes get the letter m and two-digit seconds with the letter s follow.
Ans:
9h44
